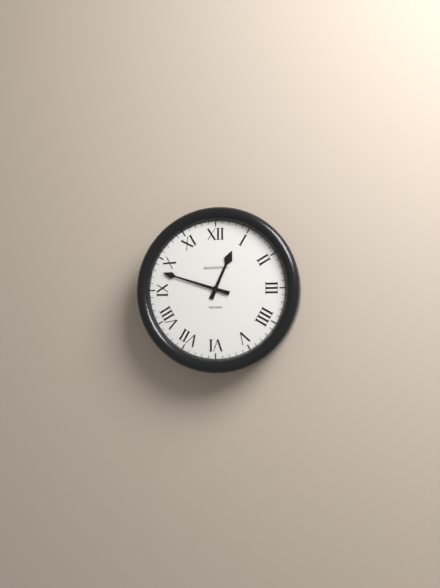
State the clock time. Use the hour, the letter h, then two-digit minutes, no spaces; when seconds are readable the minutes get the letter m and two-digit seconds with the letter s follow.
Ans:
12h48
